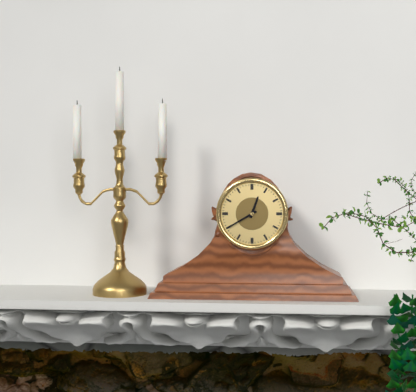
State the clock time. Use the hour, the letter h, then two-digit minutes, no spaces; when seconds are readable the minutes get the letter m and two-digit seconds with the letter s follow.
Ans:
12h40
